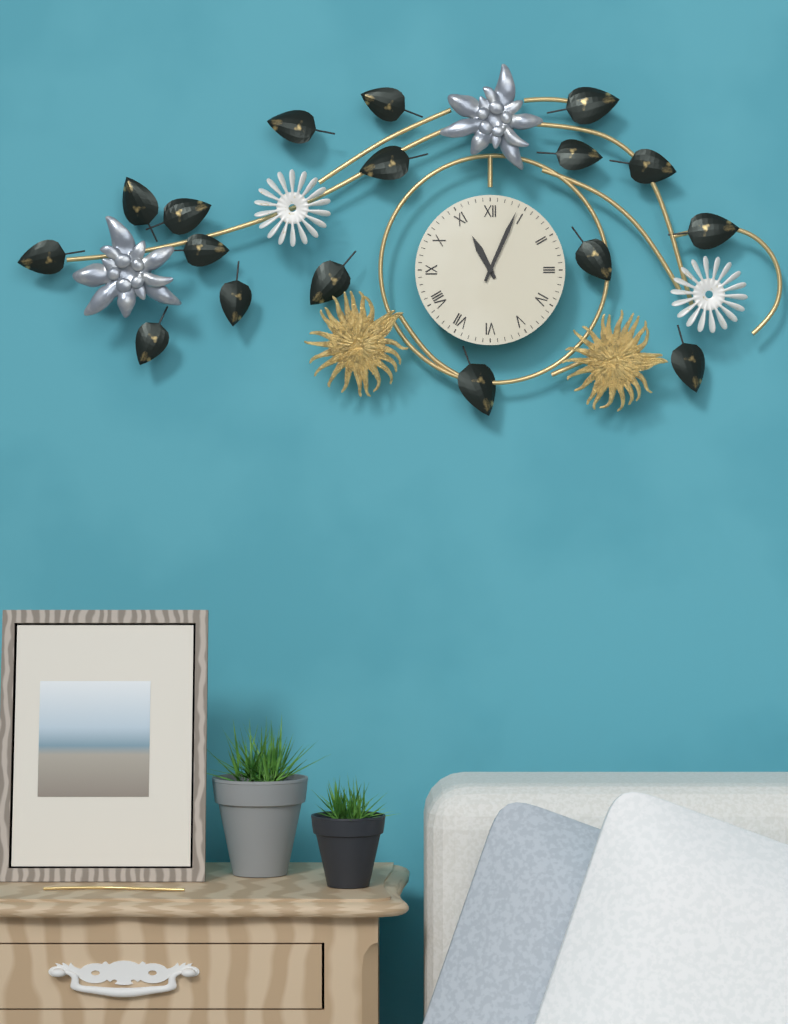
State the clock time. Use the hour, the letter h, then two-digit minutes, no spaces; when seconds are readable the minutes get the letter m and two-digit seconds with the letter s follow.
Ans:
11h04
